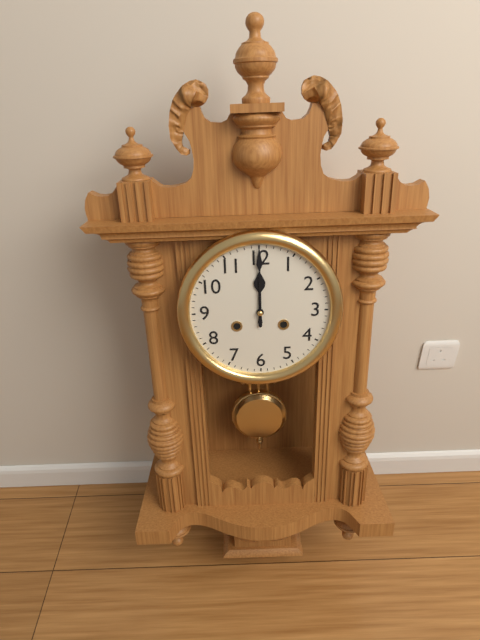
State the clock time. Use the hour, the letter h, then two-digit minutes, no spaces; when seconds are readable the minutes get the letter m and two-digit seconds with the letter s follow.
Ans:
12h00
